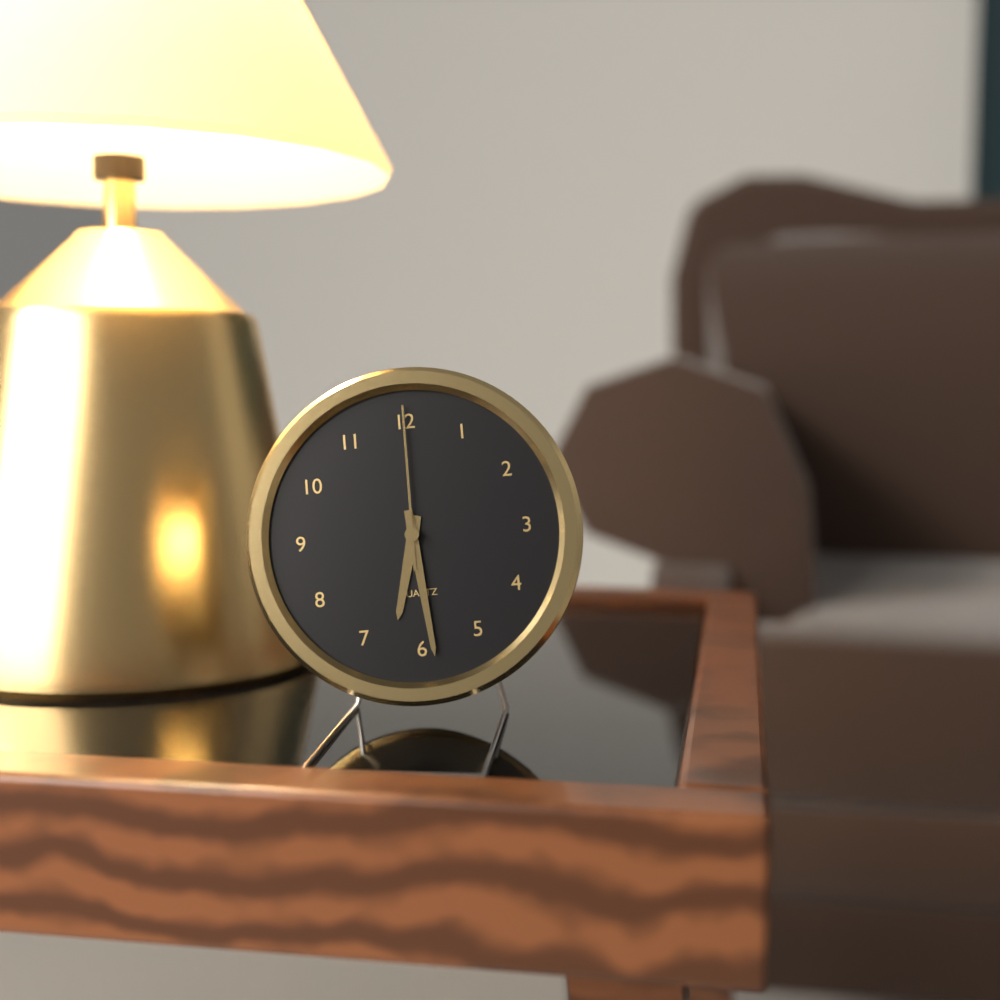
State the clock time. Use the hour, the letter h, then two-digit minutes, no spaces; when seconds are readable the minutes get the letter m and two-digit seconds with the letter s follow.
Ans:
6h29m00s
